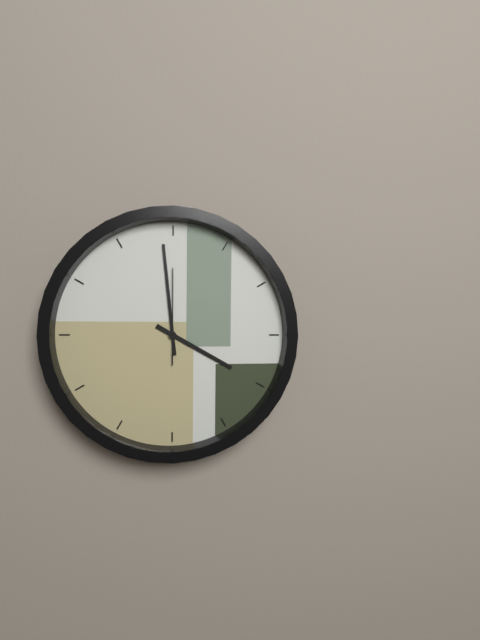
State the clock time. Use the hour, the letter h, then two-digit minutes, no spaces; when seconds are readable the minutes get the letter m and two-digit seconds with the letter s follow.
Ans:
3h59m00s
